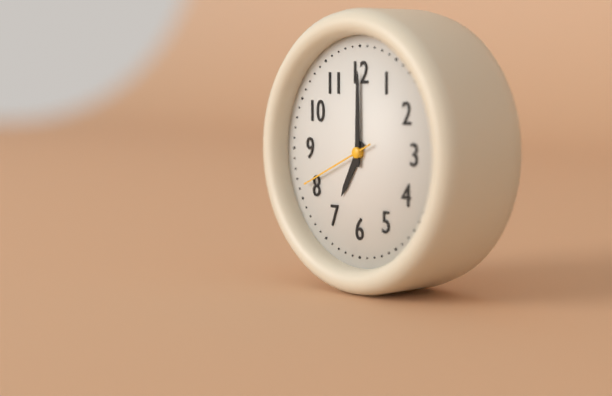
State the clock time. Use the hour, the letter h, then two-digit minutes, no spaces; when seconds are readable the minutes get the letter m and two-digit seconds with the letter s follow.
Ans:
7h00m41s
